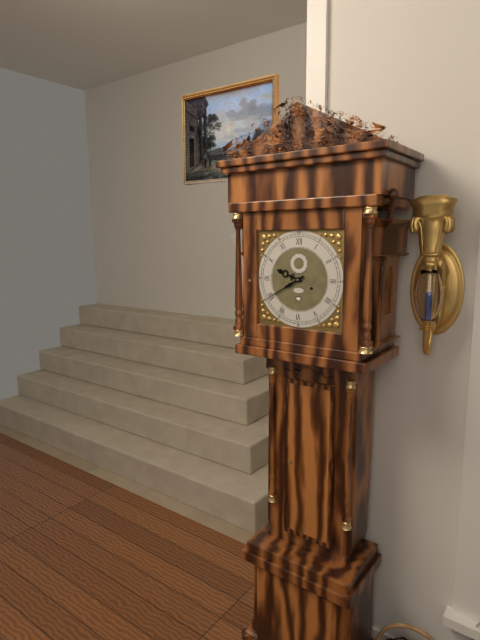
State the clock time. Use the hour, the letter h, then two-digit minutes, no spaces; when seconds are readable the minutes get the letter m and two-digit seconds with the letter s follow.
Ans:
9h40
